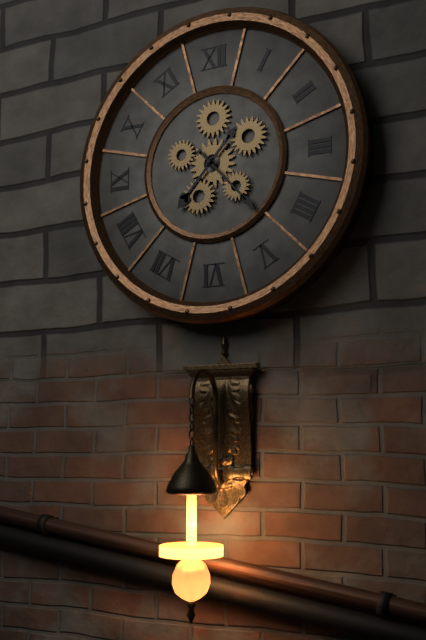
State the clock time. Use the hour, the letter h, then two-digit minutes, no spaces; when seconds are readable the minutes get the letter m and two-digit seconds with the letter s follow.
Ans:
7h23
